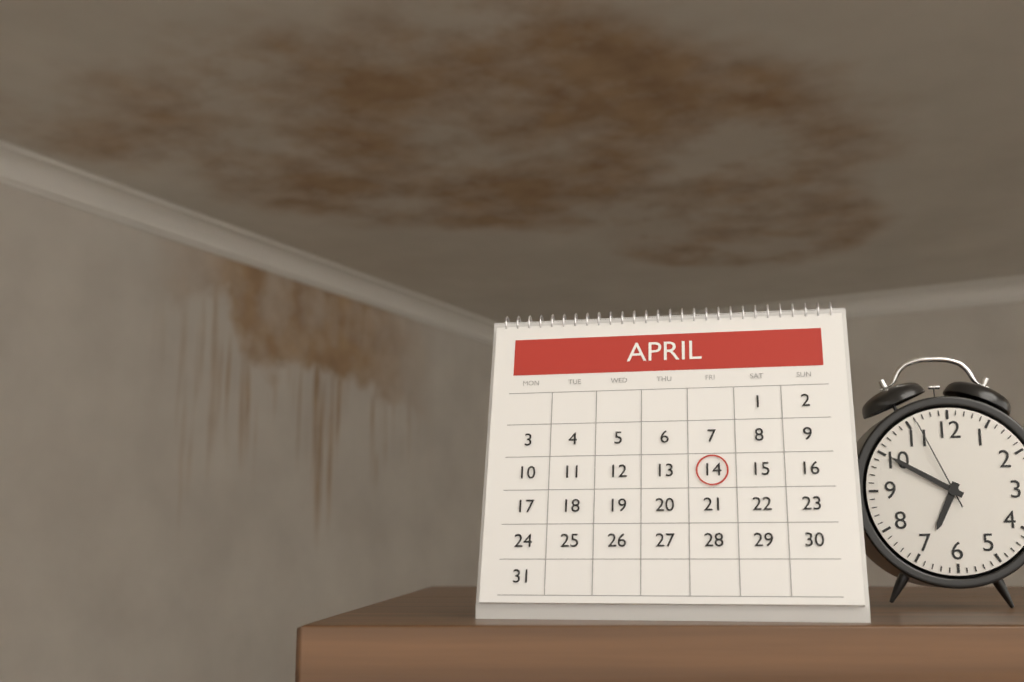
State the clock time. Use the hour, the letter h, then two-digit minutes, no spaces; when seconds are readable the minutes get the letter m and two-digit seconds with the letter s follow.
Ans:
6h50m56s
